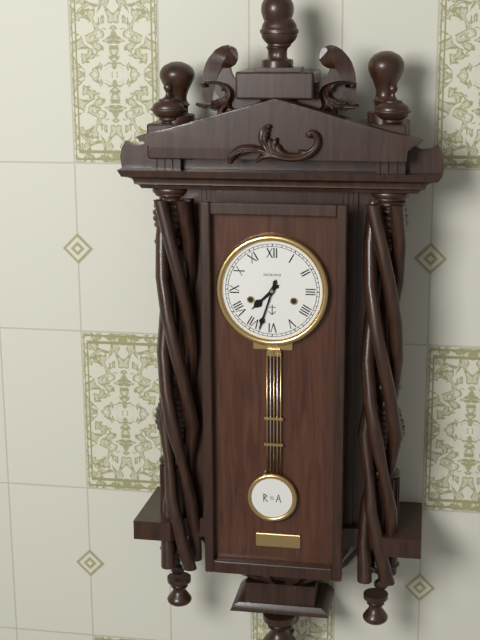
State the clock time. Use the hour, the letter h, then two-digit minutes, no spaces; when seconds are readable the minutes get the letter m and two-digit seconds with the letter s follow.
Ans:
7h33
